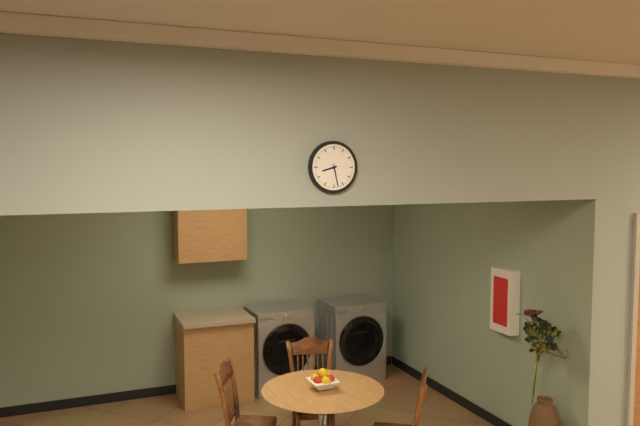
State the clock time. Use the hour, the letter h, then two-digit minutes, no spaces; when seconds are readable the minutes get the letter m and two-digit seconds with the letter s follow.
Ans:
8h28
